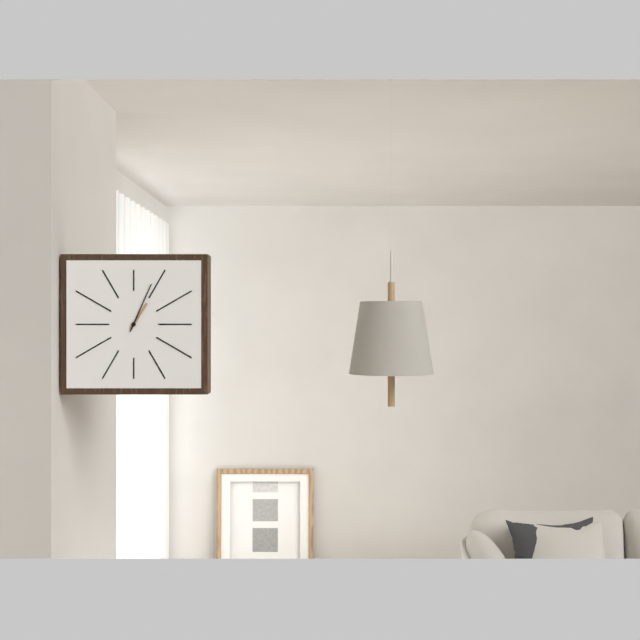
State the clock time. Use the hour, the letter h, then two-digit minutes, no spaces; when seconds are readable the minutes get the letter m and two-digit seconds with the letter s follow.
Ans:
1h04
